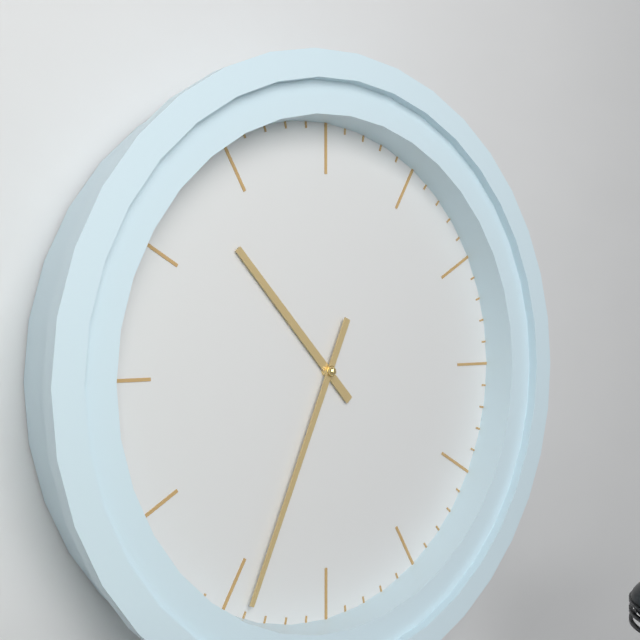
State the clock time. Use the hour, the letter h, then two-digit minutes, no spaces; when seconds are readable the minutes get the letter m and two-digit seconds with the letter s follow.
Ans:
10h34
